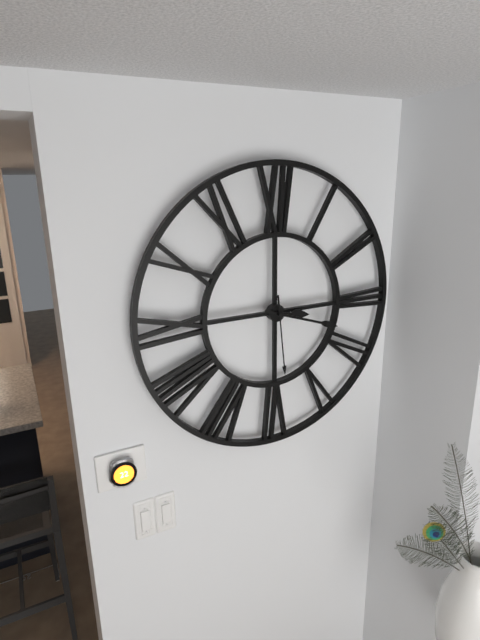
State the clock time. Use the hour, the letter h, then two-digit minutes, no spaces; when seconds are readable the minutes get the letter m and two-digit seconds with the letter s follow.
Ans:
3h18m29s
